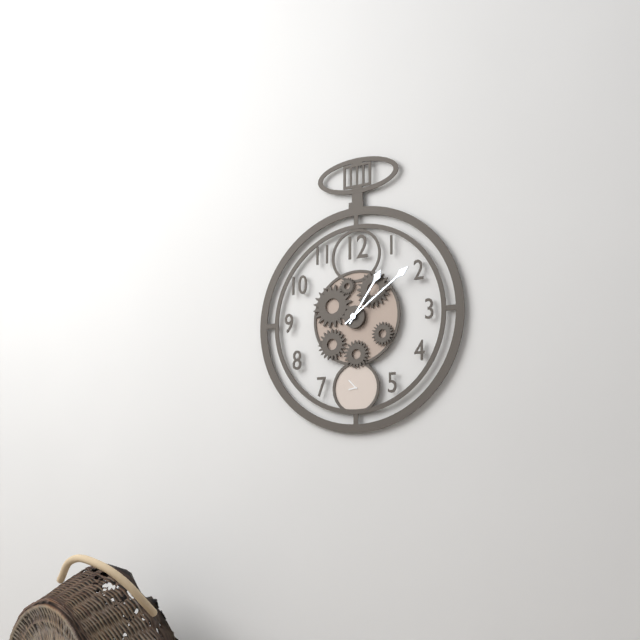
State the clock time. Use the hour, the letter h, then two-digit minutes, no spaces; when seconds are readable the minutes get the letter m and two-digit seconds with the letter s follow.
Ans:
1h09
